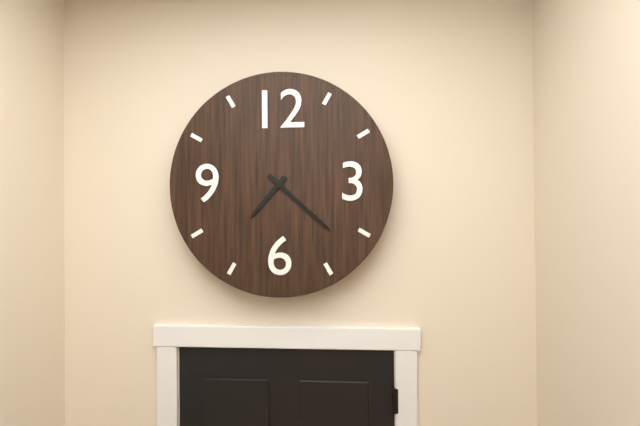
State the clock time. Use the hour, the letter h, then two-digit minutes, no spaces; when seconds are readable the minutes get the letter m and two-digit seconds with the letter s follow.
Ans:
7h22
